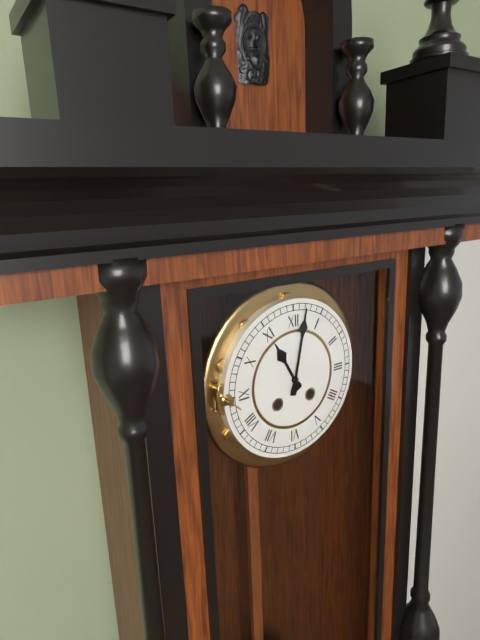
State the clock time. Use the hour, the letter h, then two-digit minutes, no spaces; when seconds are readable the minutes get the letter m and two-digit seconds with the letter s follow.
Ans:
11h02
